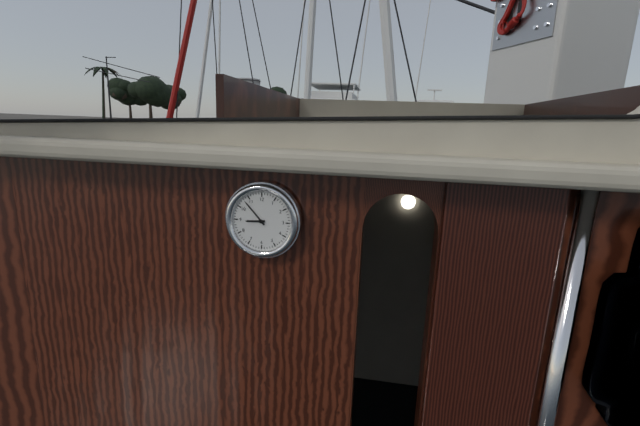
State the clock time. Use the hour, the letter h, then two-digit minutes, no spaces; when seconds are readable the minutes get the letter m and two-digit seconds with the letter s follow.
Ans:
8h53
